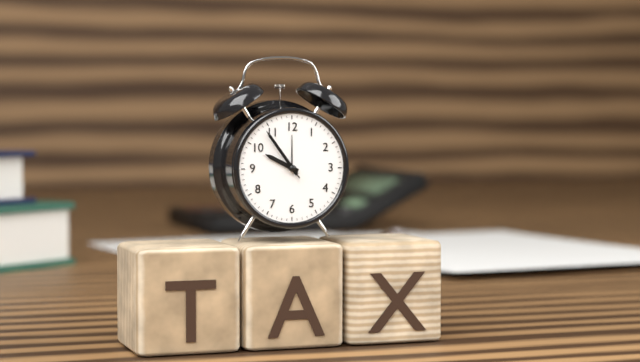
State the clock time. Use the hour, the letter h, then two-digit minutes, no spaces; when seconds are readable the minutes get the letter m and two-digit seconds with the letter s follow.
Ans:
9h54m54s
